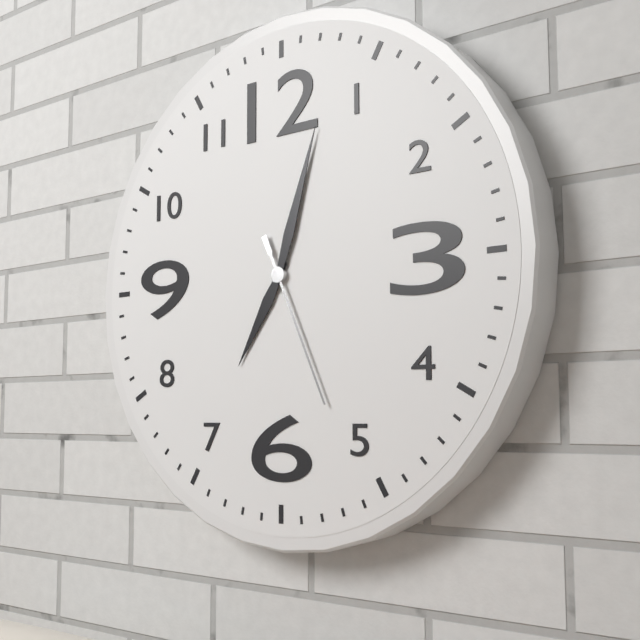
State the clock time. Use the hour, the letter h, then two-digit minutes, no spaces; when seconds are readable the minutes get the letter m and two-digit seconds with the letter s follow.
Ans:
7h03m26s
